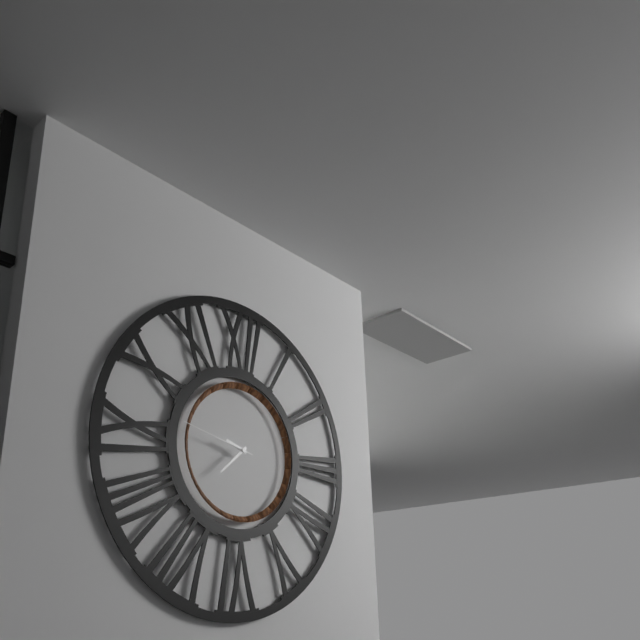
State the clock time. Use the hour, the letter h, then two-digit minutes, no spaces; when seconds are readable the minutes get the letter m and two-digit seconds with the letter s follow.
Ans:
9h38m47s
